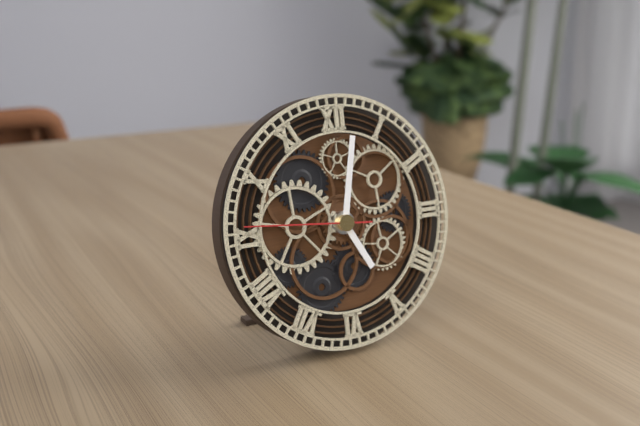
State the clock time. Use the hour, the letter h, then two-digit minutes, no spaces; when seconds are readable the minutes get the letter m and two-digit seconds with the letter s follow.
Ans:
5h02m46s
